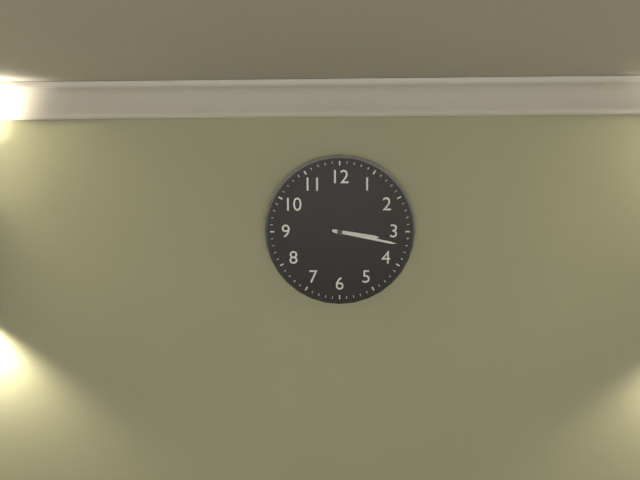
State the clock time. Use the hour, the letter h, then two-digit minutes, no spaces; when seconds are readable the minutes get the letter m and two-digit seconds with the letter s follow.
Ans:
3h17
